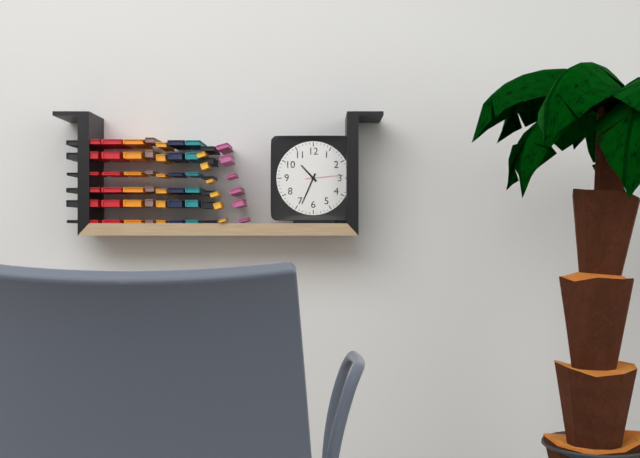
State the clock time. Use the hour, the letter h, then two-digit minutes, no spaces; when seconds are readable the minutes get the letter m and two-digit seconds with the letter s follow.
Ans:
10h34
